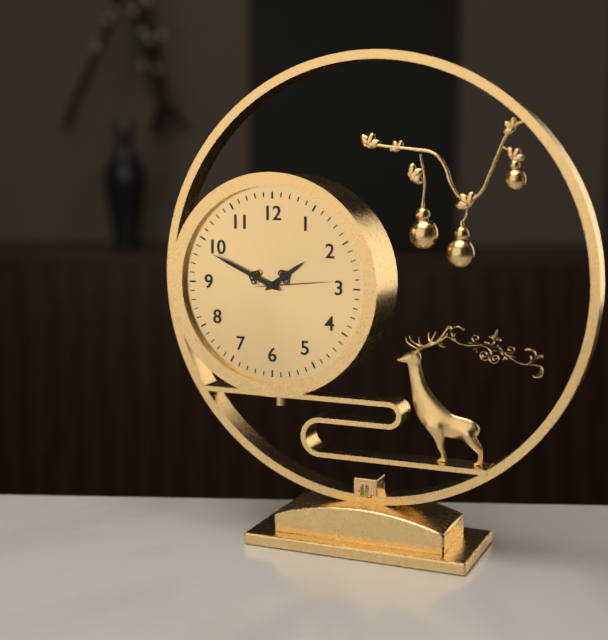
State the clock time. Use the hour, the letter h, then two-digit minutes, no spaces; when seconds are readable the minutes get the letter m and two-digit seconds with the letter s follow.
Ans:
1h49m14s
